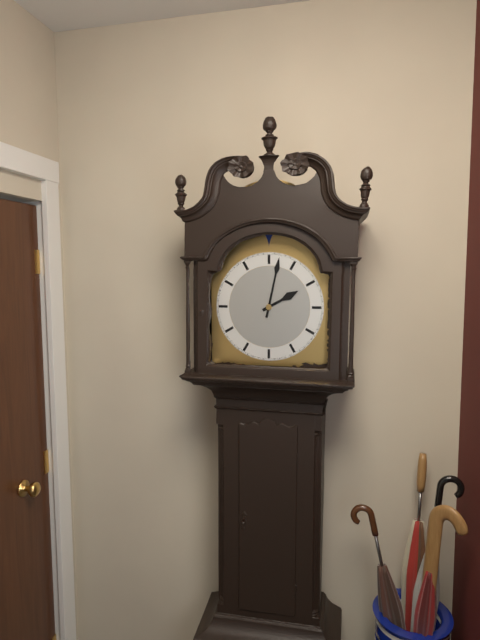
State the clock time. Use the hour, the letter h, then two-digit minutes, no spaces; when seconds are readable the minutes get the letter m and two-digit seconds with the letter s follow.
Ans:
2h02
